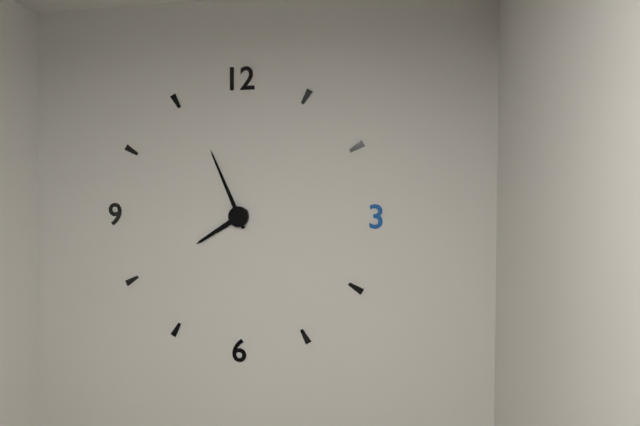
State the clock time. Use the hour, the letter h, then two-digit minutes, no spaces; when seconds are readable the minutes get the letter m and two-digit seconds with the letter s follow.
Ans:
7h56
